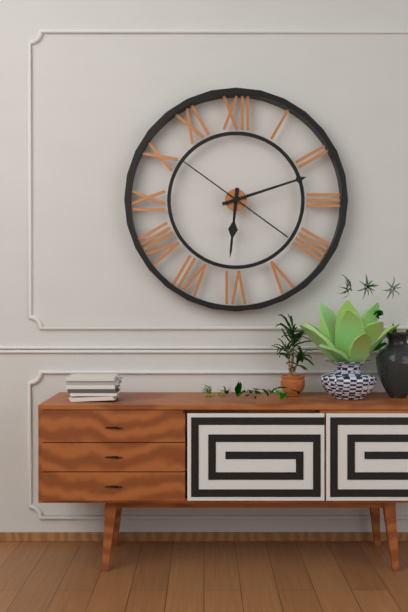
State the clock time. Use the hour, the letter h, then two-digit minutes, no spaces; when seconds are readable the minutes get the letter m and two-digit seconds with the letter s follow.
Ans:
6h12m51s
